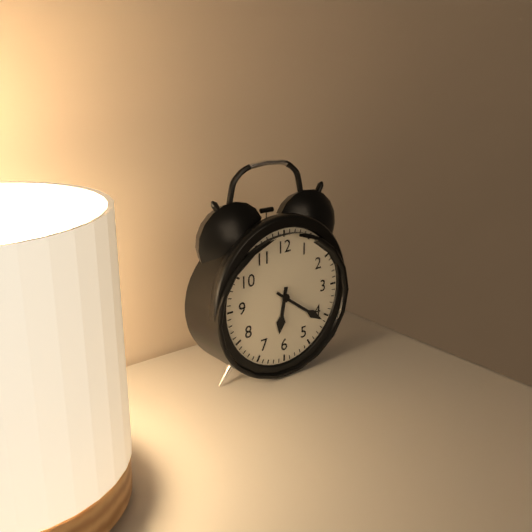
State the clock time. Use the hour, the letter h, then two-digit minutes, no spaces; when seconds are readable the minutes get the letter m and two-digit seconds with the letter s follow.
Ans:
6h21
